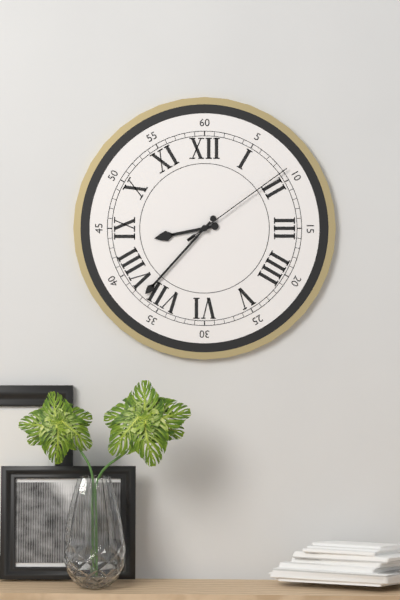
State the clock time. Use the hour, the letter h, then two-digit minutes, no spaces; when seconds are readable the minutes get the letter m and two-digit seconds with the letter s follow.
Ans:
8h37m09s
